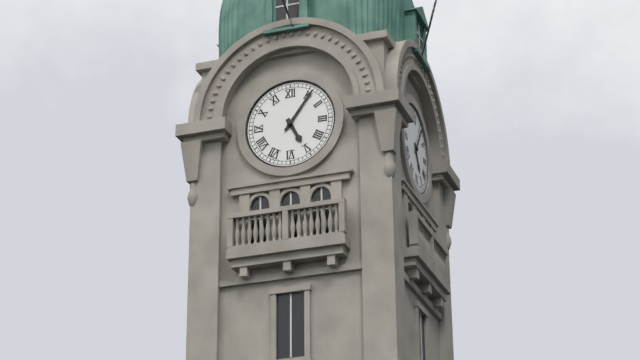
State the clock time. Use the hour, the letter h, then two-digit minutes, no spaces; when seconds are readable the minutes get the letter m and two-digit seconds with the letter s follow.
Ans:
5h06
